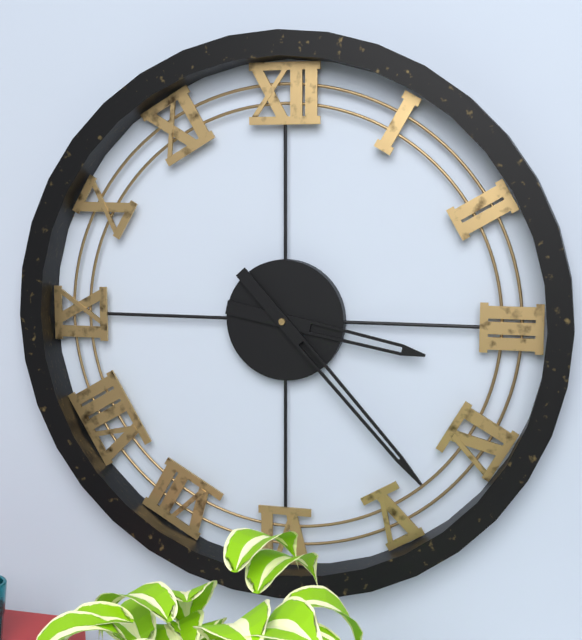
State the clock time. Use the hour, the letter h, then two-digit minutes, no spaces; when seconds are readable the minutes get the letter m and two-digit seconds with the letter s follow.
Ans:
3h23
